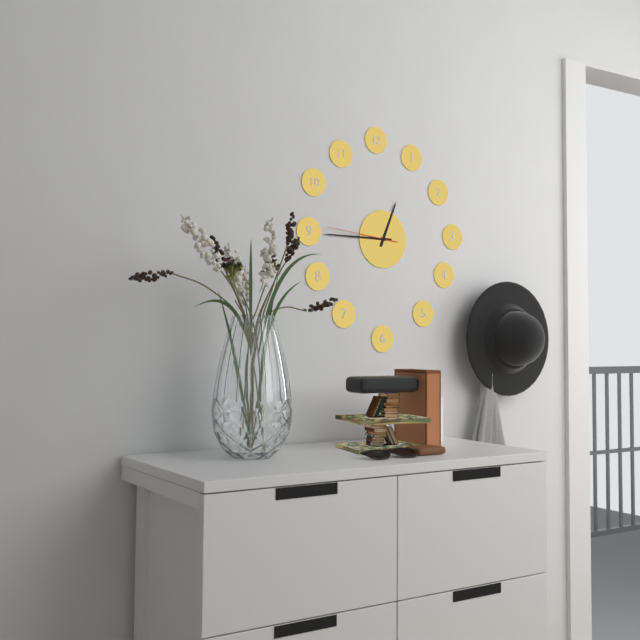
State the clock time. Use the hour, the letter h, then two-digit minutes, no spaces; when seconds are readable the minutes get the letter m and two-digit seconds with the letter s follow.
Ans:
12h45m46s
